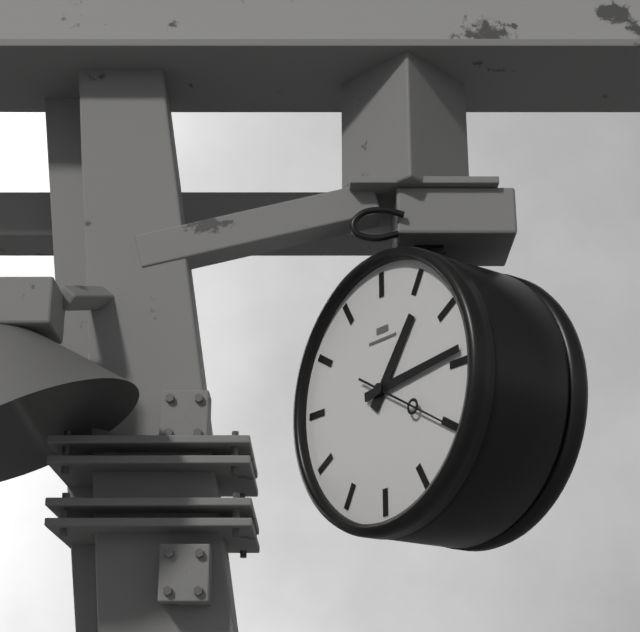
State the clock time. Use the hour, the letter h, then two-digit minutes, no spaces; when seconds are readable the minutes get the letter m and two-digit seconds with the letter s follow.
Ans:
1h14m20s
